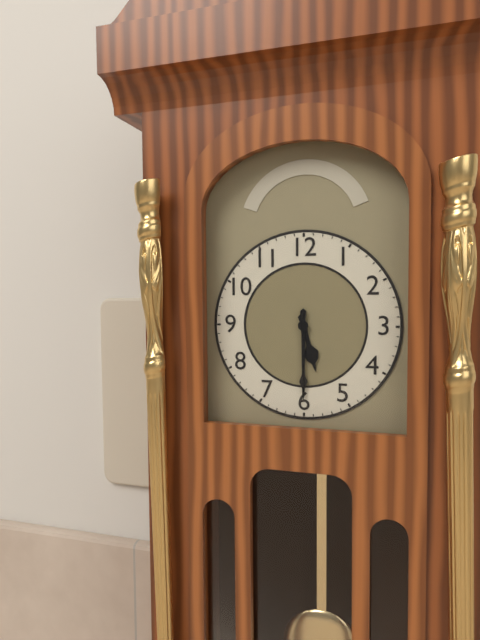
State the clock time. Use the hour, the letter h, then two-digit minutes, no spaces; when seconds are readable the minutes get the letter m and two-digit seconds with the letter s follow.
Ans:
5h30
